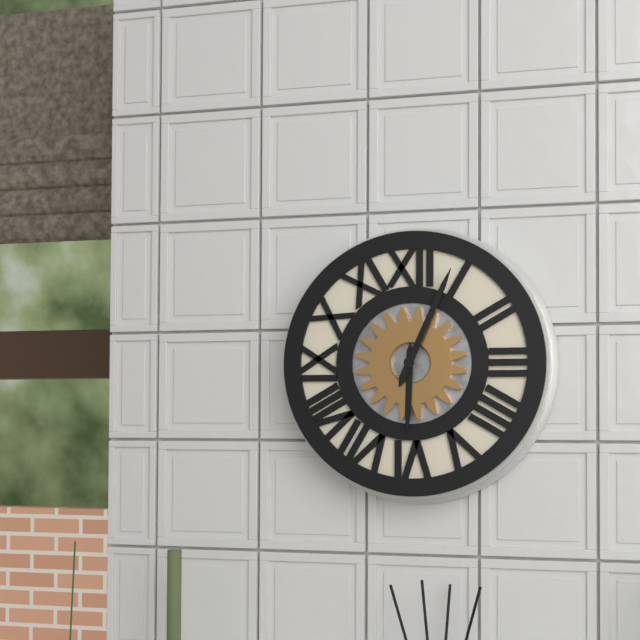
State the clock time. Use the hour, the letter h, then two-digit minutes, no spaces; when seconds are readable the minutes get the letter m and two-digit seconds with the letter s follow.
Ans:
6h04
